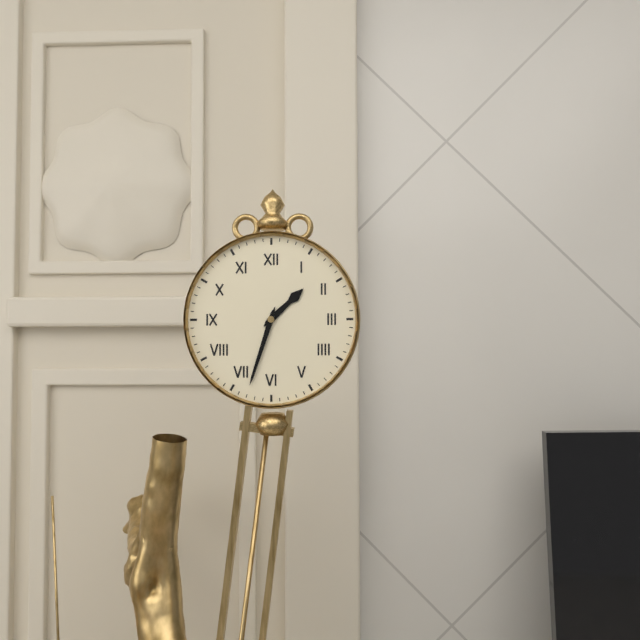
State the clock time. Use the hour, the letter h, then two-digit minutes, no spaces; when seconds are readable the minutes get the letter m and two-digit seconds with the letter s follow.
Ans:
1h33
